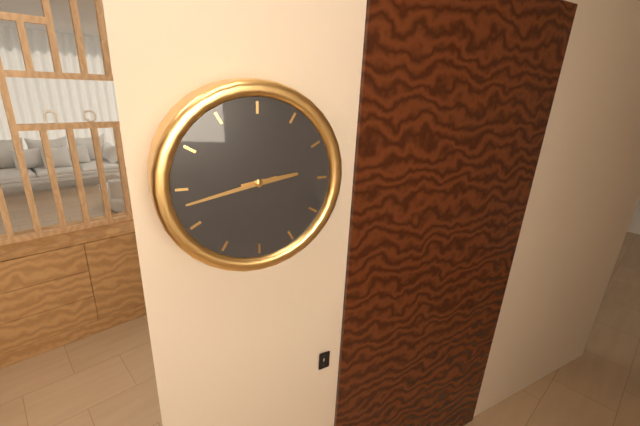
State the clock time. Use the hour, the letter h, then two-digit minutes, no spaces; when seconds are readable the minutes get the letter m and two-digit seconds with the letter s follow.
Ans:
2h43
